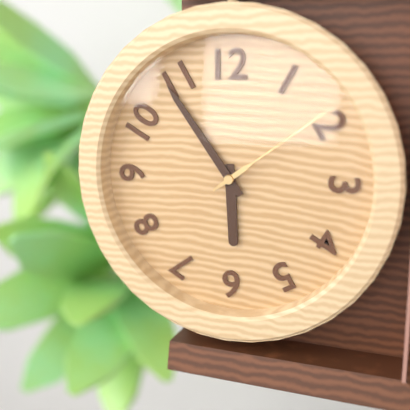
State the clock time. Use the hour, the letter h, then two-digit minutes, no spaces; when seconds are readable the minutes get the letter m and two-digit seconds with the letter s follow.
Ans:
5h54m09s
